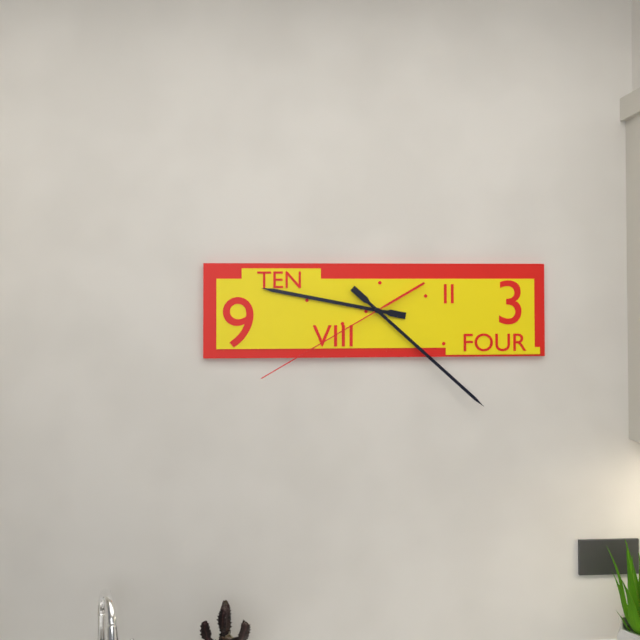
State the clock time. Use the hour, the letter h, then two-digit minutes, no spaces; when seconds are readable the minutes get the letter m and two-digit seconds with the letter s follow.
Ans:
9h22m40s
